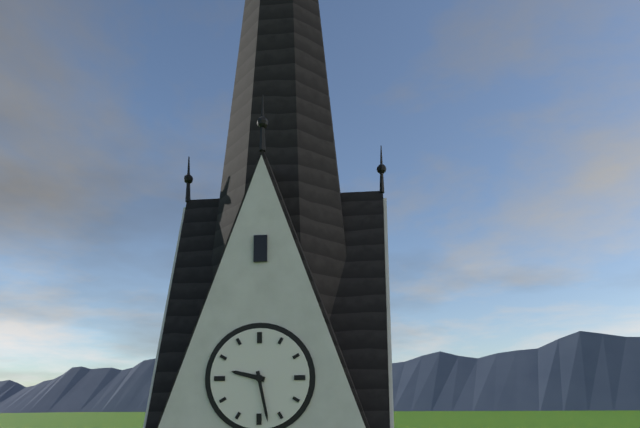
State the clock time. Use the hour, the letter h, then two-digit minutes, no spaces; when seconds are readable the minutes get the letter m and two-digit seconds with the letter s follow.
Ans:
9h28
